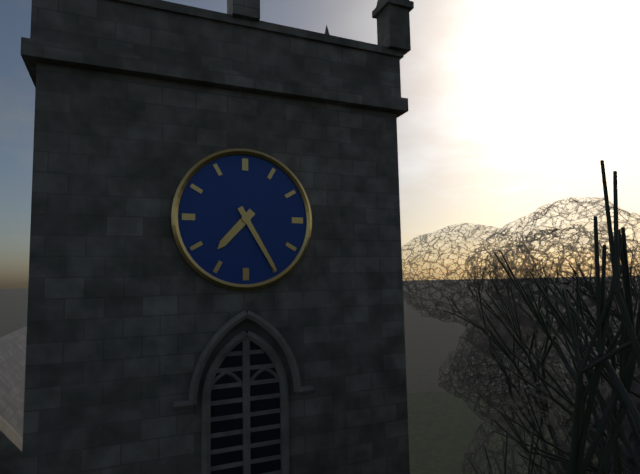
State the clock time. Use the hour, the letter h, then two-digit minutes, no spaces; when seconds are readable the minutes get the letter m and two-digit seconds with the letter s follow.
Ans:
7h25
